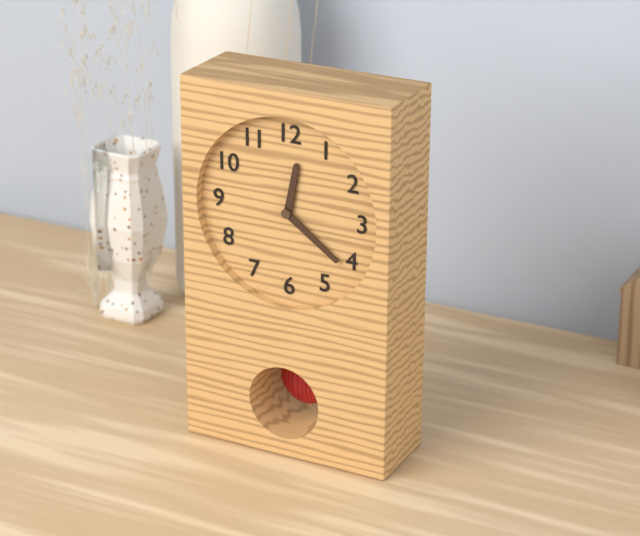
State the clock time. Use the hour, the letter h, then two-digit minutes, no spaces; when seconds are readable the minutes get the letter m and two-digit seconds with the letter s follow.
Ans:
12h21
